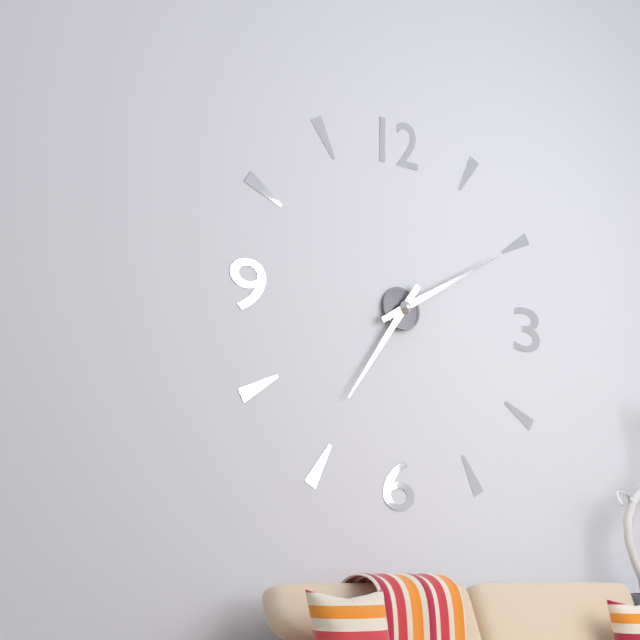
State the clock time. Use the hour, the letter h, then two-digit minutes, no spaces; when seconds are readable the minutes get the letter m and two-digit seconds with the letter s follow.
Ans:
7h10
